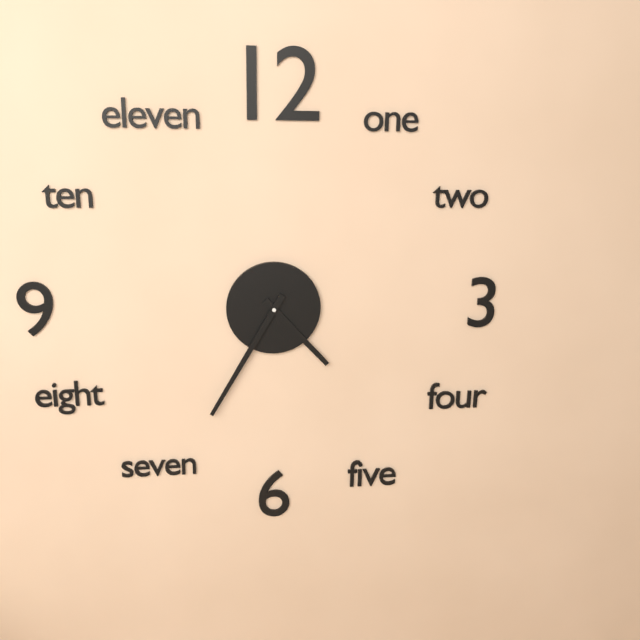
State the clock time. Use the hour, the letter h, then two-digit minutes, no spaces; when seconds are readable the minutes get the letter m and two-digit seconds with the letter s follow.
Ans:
4h35
